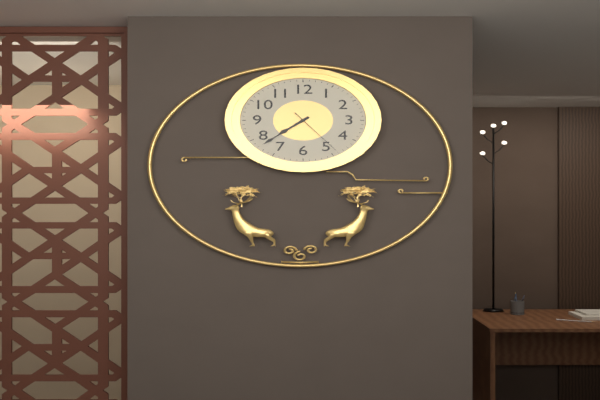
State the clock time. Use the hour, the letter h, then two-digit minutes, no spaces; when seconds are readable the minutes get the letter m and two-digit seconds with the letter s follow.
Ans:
7h38m24s
